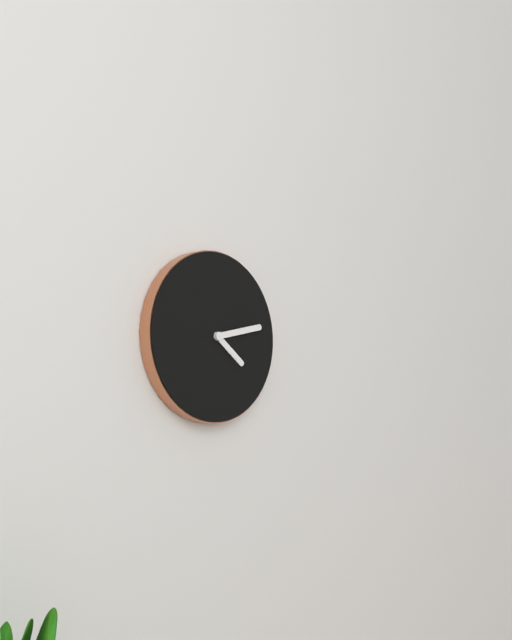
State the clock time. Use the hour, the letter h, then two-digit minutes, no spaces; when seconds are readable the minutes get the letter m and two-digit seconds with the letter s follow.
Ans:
4h13
